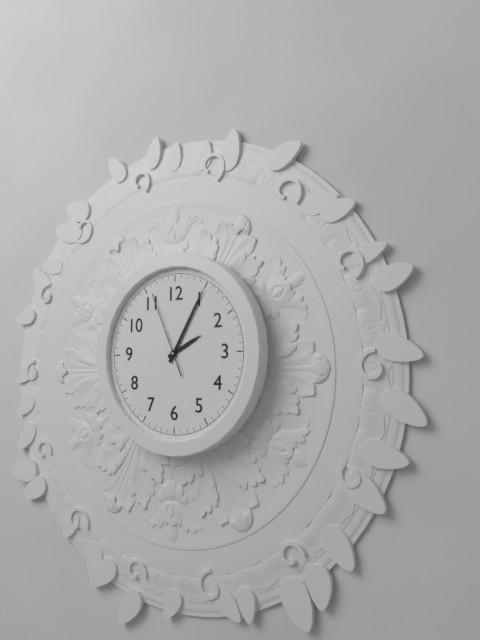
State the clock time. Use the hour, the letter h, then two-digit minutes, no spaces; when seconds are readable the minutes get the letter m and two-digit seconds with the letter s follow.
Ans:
2h05m56s
